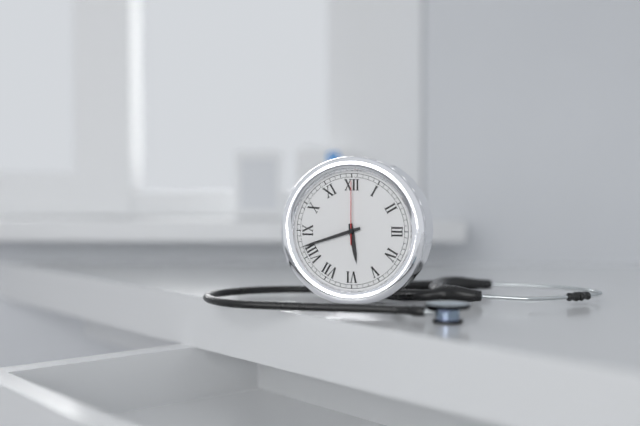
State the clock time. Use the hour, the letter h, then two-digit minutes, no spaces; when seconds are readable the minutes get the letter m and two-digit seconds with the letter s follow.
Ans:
5h42m00s
